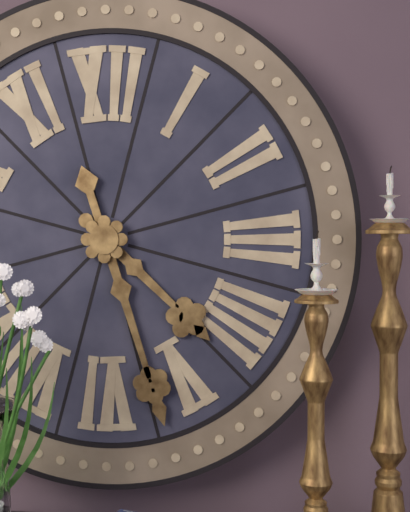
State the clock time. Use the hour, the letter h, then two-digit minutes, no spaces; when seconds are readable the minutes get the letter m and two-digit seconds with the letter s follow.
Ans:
4h27
